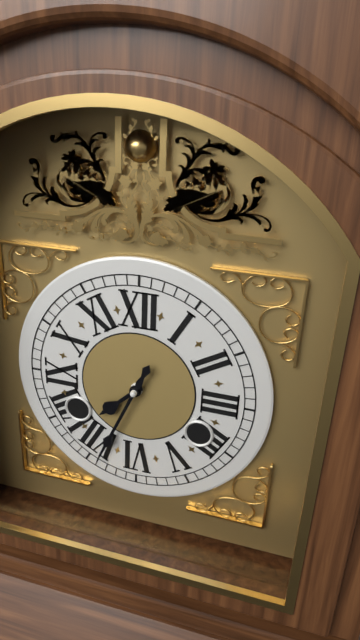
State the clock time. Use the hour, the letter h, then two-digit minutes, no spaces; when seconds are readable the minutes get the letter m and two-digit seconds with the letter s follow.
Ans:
7h34
